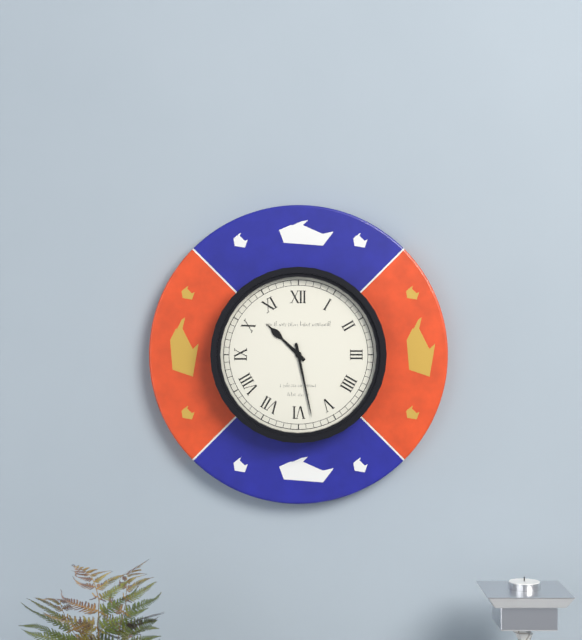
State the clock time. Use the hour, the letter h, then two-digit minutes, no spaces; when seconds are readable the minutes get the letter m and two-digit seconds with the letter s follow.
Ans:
10h28
